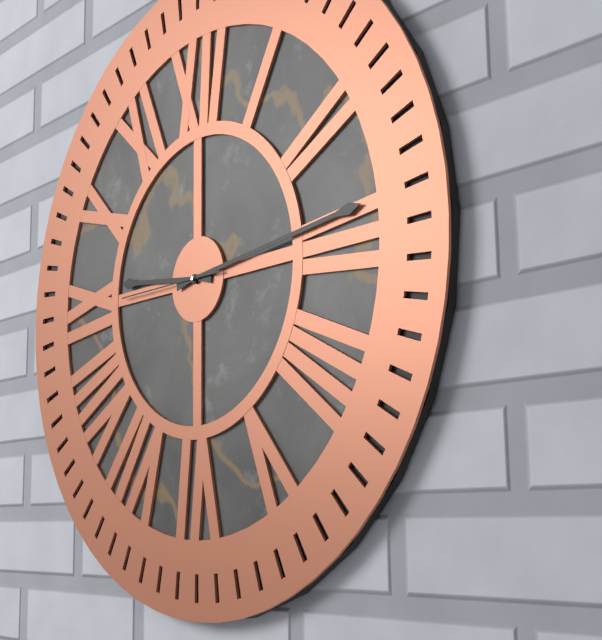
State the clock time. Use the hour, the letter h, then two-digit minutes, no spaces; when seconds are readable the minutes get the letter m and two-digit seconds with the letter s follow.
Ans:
9h14m45s
